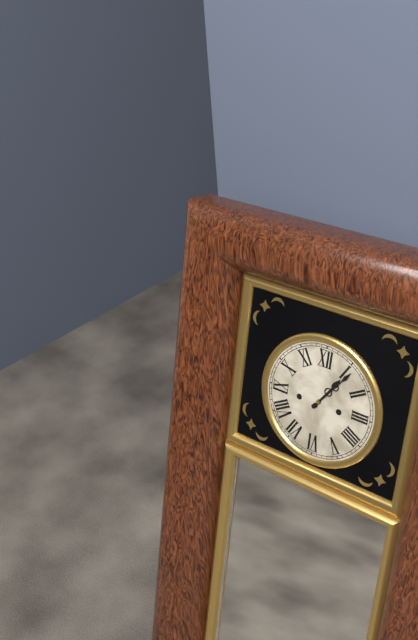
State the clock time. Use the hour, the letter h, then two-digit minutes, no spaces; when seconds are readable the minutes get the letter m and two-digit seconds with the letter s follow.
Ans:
1h06
